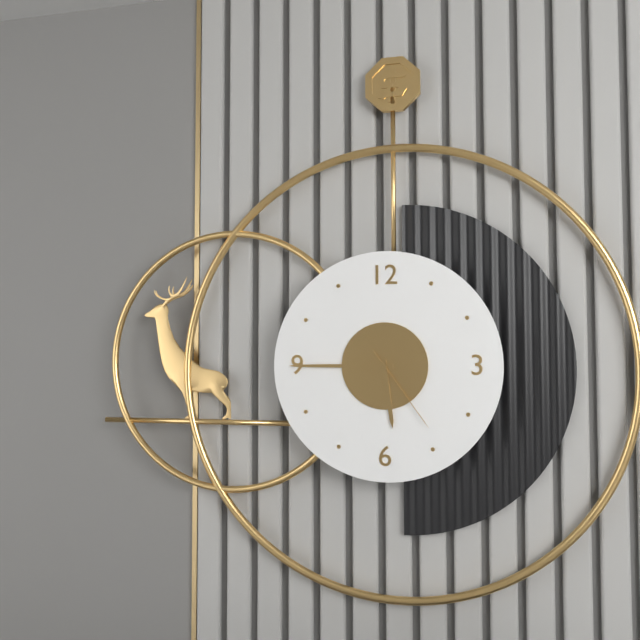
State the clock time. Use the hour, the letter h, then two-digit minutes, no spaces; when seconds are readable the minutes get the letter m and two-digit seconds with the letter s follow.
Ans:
5h45m24s
